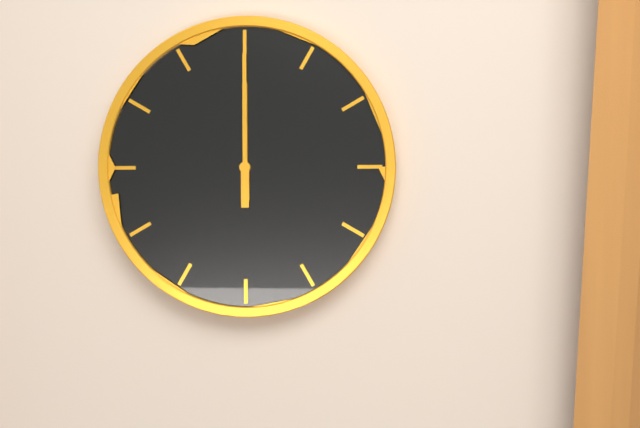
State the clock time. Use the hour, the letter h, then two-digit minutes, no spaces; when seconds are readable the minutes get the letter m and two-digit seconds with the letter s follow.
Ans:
12h00
